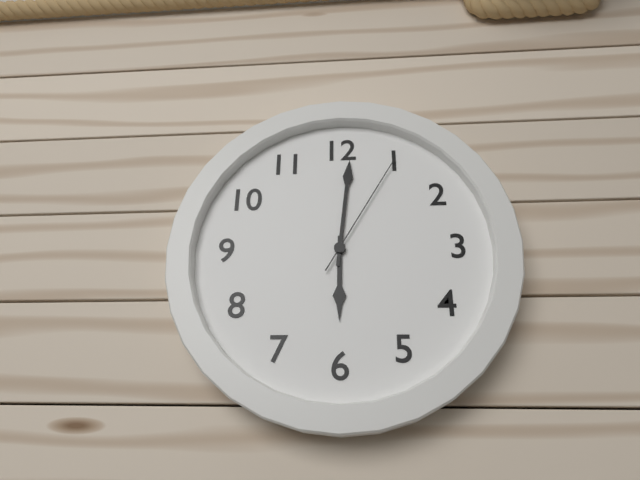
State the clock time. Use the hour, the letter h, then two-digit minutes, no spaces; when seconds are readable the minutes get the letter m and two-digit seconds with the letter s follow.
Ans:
6h01m05s
